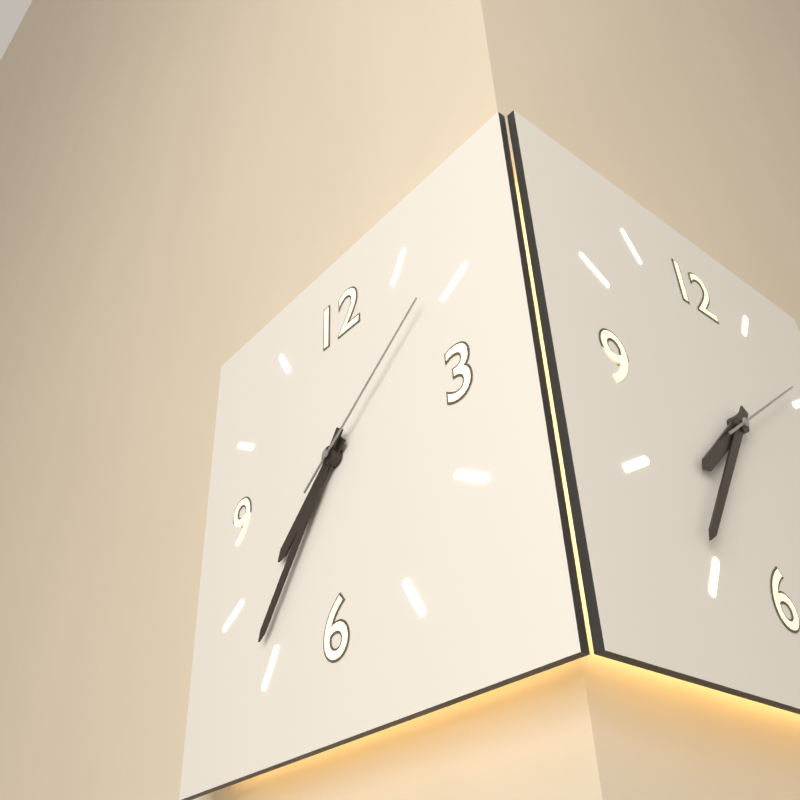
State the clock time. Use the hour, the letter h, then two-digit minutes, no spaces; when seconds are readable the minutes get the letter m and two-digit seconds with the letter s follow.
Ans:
7h36m09s
